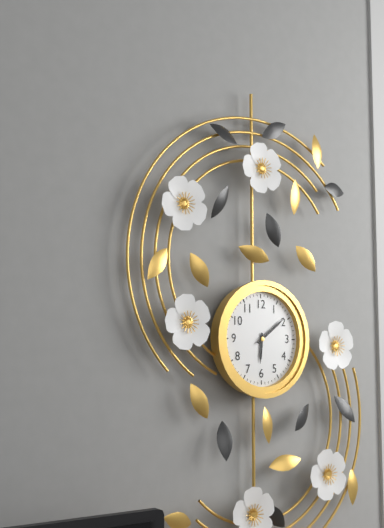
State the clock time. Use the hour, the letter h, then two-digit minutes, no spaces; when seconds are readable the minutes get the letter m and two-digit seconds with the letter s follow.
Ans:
6h09
